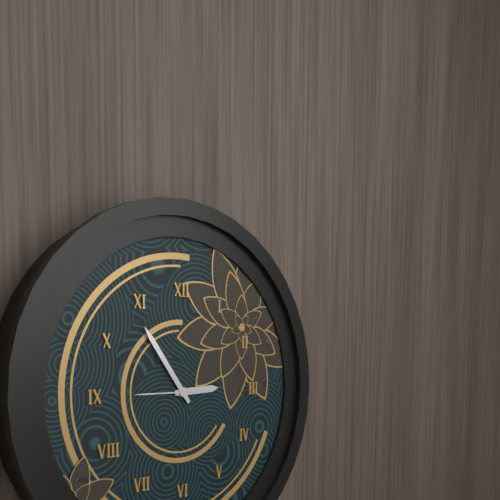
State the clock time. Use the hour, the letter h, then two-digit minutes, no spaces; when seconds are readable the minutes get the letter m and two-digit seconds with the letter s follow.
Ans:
2h54m45s
